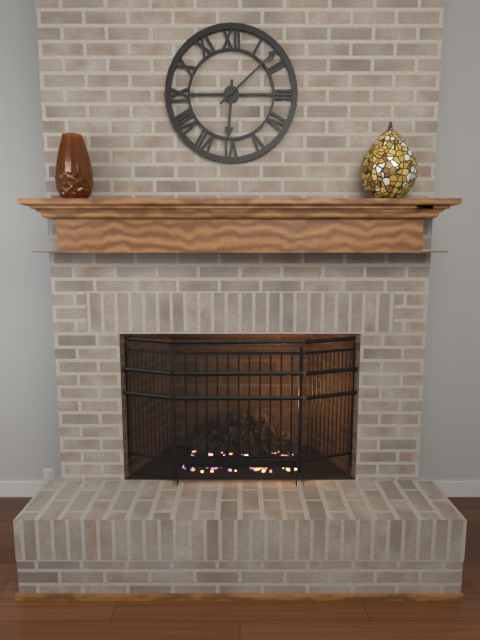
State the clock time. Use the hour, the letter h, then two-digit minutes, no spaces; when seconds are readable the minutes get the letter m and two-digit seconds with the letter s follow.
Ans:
6h08
